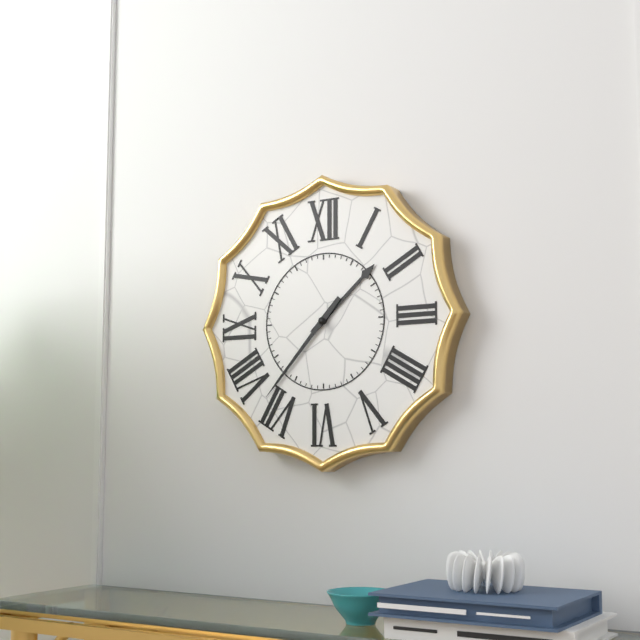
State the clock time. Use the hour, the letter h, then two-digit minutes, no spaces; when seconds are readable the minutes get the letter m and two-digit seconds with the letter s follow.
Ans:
1h37
